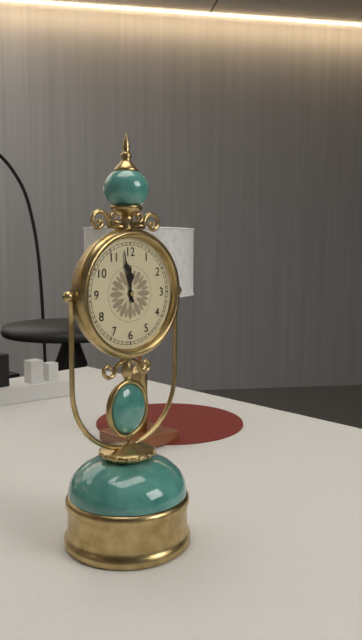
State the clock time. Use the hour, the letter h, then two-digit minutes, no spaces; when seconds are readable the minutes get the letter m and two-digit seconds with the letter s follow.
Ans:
11h58
